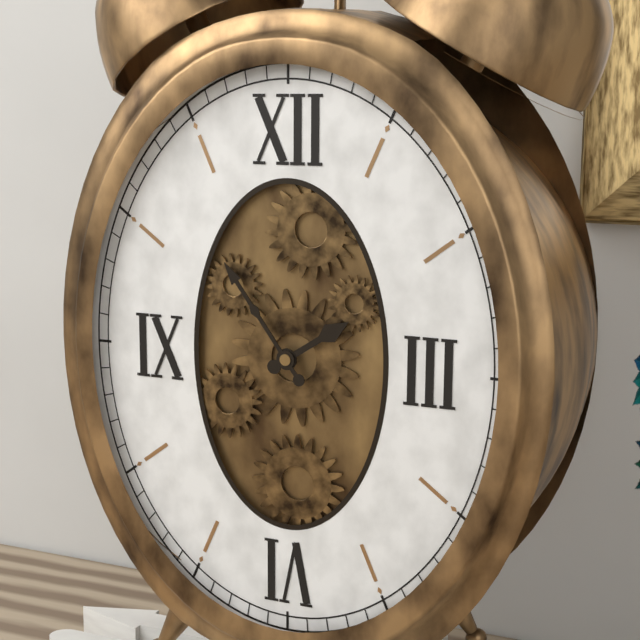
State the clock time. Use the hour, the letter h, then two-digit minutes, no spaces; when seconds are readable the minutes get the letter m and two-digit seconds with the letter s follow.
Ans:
1h54
